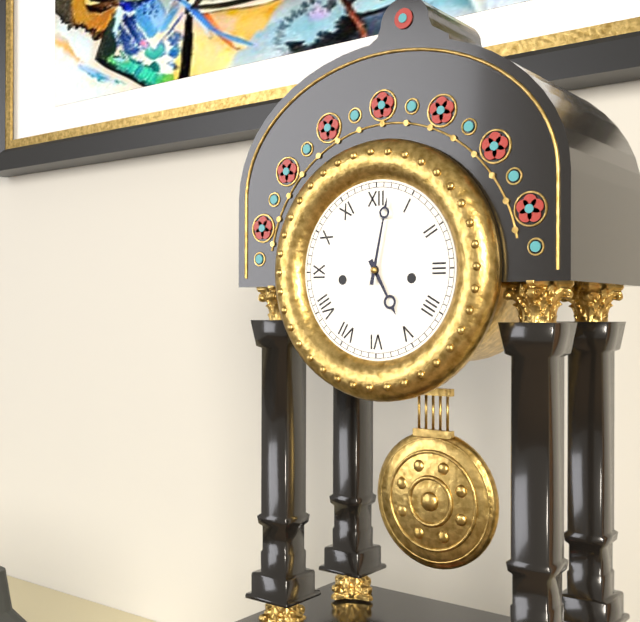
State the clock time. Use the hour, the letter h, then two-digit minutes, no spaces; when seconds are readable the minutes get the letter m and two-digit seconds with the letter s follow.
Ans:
5h02
